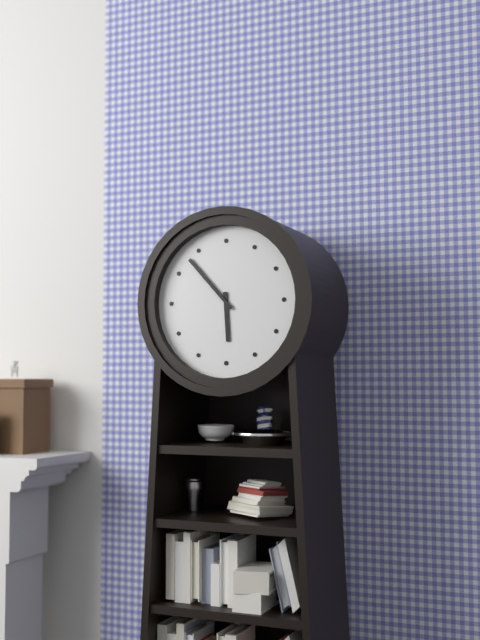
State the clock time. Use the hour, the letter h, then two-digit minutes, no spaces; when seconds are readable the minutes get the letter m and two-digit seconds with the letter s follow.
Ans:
5h53
